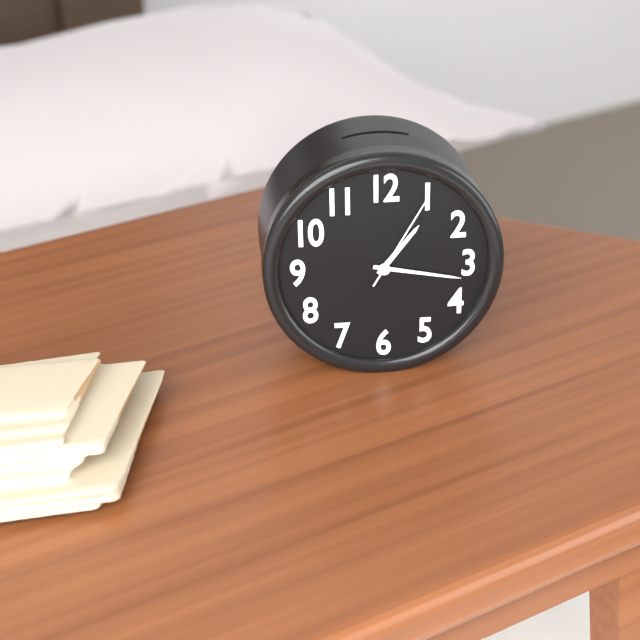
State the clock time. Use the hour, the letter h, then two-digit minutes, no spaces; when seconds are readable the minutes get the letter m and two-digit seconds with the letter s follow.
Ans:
1h17m05s
